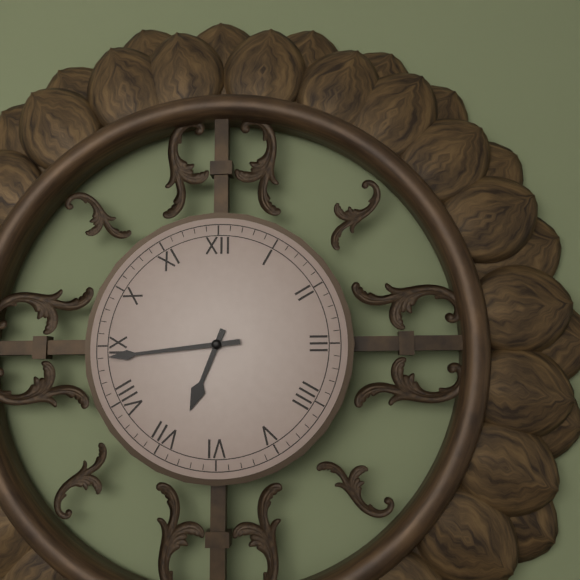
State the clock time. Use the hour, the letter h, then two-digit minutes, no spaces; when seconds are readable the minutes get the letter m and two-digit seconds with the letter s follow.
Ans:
6h44
